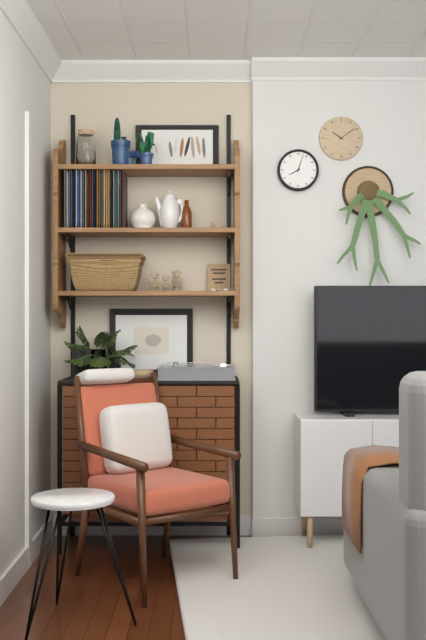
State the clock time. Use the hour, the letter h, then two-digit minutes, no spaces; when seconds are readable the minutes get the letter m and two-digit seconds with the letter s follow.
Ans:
8h03
